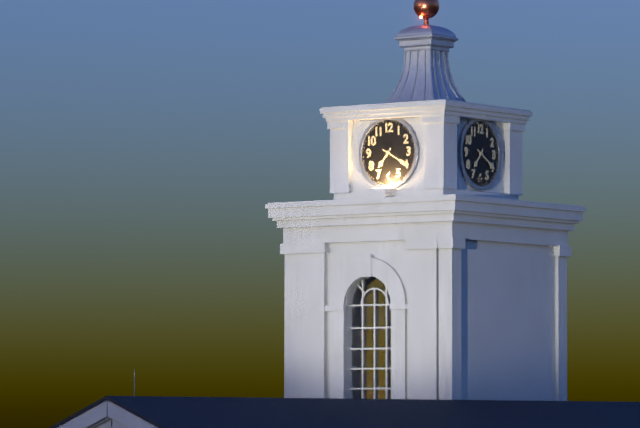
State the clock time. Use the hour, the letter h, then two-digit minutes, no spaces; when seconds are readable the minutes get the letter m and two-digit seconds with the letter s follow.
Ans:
7h20
